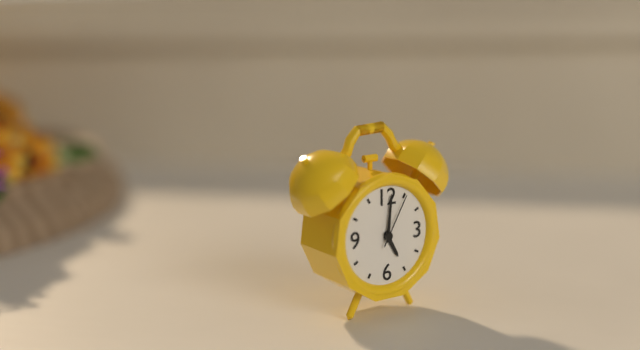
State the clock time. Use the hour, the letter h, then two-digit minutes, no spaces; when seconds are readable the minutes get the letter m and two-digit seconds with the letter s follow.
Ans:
5h01m05s
